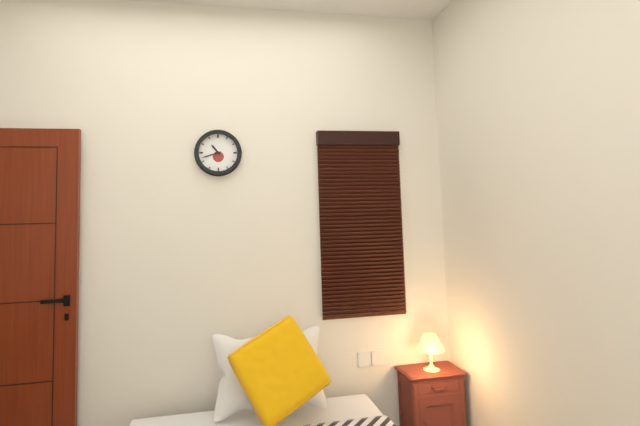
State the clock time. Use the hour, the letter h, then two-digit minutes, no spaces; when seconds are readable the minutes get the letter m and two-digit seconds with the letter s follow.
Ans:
10h42
